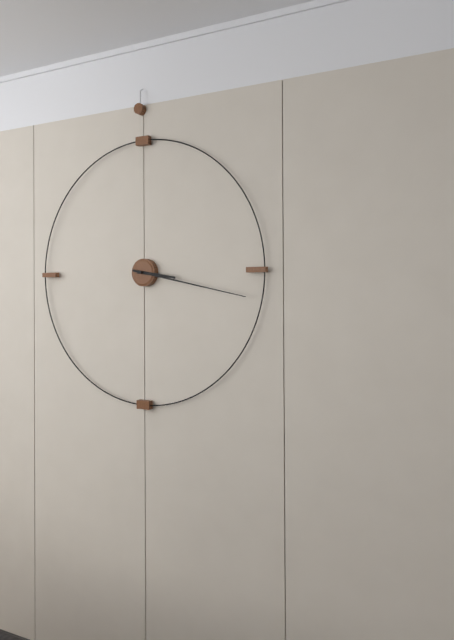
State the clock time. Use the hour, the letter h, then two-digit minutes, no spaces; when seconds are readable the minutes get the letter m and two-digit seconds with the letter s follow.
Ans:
3h17
